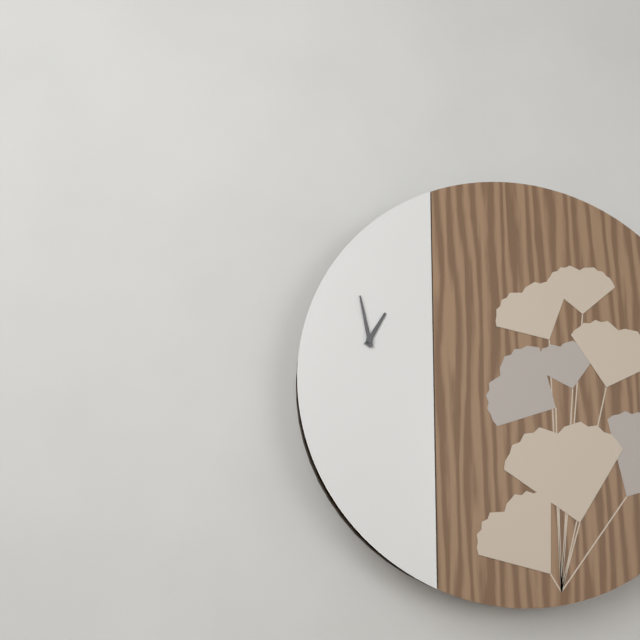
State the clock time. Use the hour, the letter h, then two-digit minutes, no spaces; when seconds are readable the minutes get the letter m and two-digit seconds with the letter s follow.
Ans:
12h58
